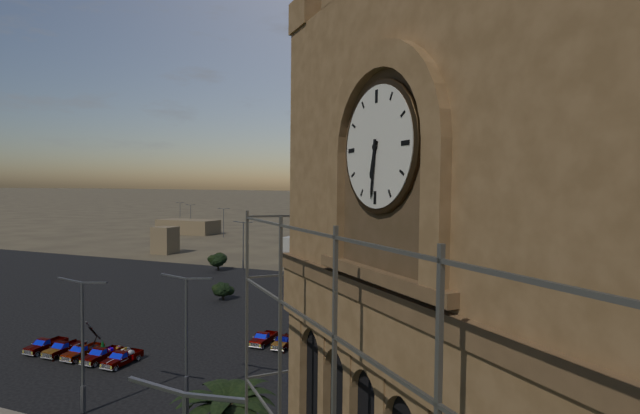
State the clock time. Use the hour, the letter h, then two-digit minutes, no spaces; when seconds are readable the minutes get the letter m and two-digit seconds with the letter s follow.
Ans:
6h31
